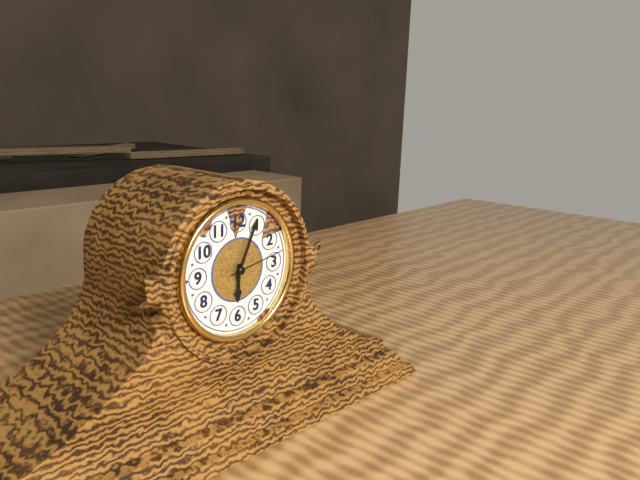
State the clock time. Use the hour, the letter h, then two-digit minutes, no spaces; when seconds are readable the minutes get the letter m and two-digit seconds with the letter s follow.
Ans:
6h04m13s
